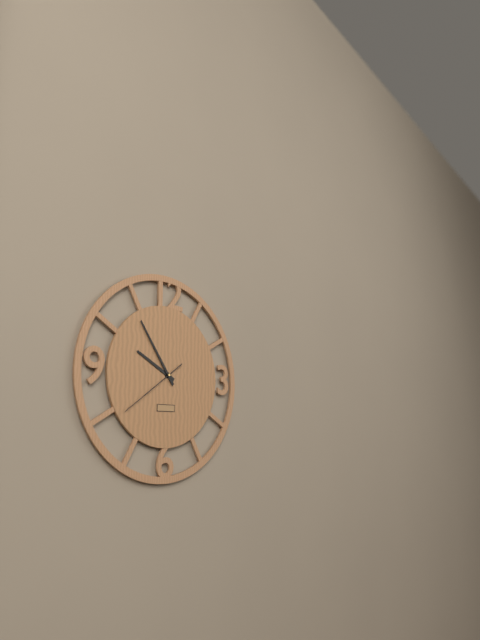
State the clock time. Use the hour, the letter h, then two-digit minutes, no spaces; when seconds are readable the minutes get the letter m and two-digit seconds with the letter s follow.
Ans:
9h54m39s
